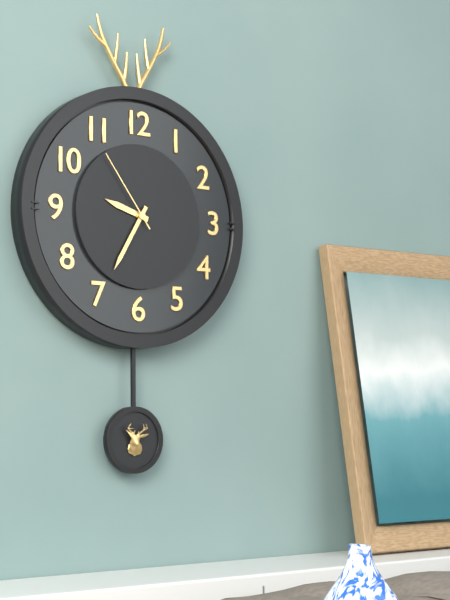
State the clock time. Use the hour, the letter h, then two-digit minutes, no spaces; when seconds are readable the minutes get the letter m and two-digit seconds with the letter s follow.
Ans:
9h35m54s
